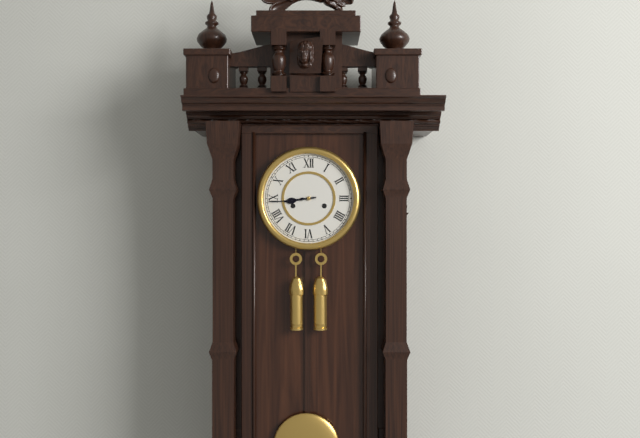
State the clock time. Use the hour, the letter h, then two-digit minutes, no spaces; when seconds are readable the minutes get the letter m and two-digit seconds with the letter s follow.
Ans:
8h44
